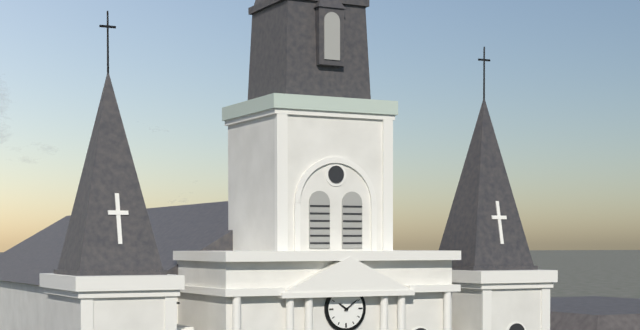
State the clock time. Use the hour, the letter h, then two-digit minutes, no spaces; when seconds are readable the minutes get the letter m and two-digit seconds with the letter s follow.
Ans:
10h09
